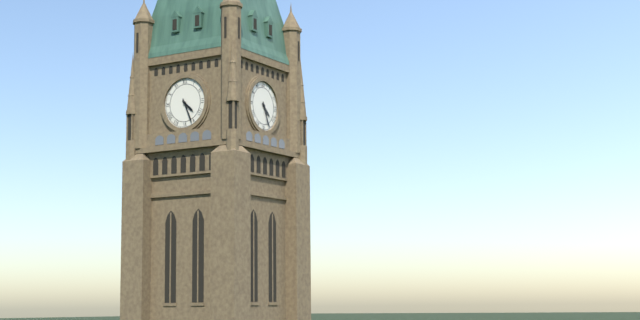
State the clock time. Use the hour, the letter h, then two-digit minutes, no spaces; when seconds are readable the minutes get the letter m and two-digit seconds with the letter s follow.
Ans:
4h26
